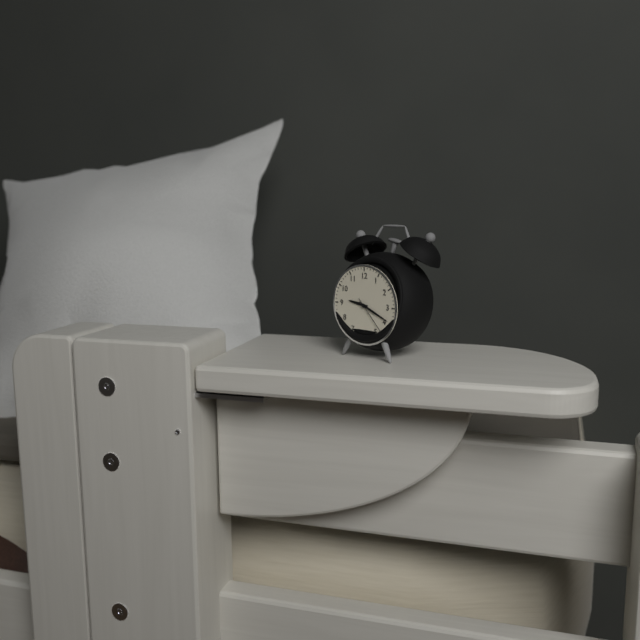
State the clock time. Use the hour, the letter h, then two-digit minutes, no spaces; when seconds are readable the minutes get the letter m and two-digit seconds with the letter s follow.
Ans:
9h19
